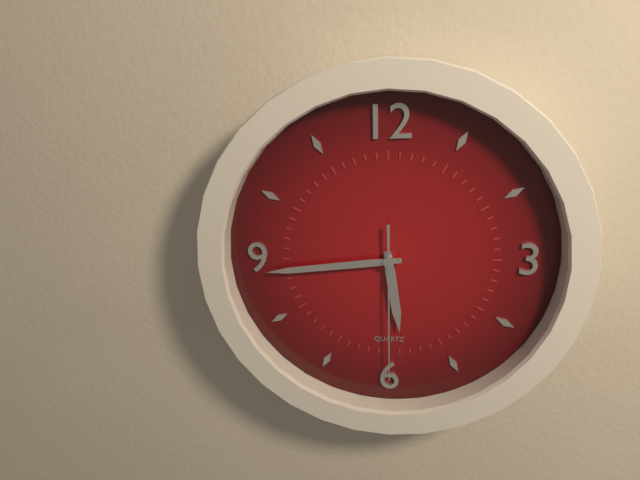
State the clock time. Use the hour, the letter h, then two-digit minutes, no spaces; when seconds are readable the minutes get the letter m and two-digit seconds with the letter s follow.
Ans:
5h44m30s
